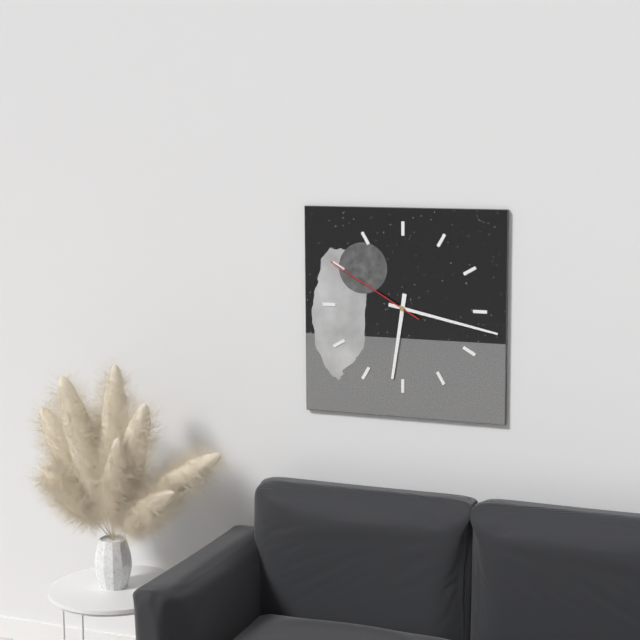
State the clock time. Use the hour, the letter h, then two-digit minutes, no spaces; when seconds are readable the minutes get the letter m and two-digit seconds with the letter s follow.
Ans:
6h17m50s
